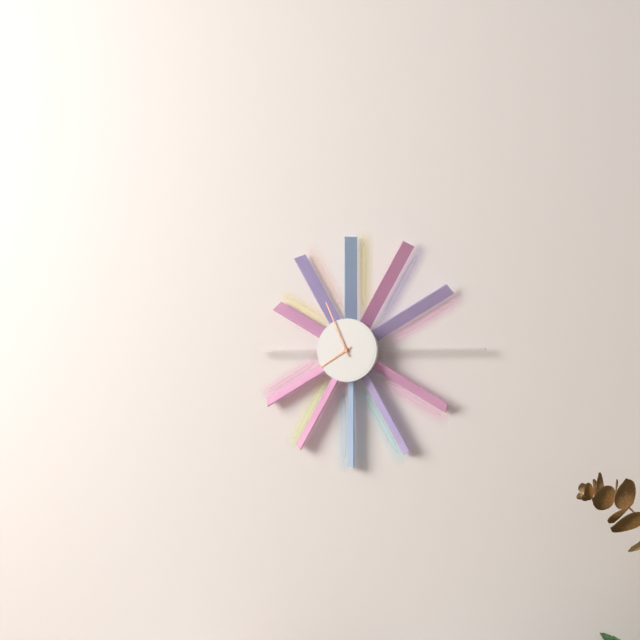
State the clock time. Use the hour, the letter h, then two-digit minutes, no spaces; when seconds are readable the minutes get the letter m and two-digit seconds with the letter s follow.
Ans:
7h56
